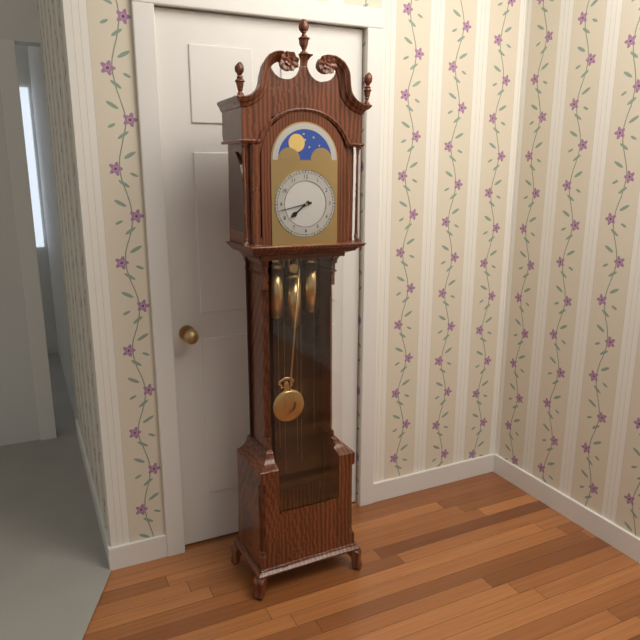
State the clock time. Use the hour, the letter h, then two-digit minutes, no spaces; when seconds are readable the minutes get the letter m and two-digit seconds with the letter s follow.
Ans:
7h43
